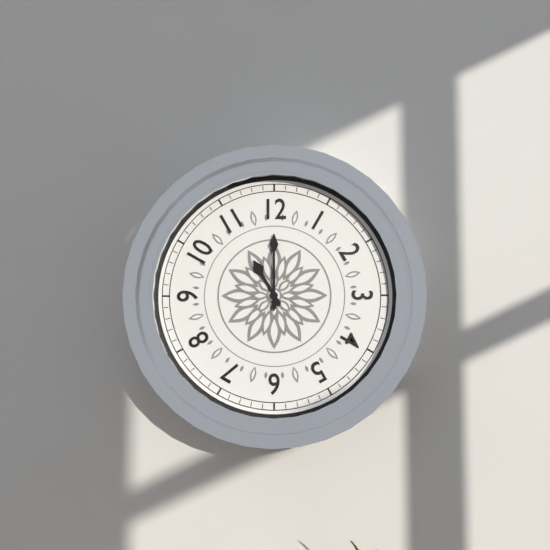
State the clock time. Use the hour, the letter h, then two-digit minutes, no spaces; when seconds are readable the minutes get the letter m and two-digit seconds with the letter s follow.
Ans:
11h00
